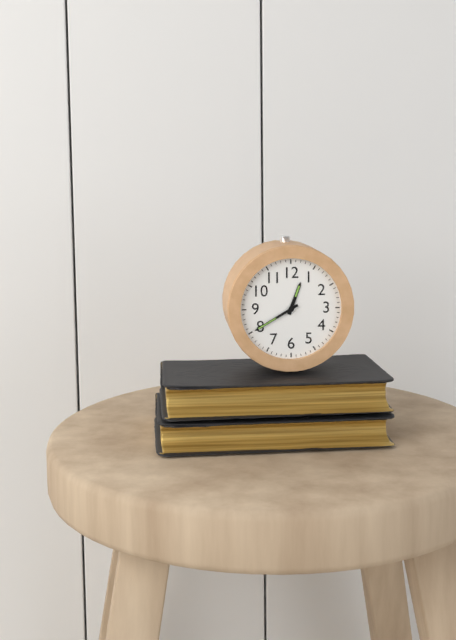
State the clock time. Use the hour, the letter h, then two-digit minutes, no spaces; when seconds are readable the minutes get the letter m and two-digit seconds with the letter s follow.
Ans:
12h40
